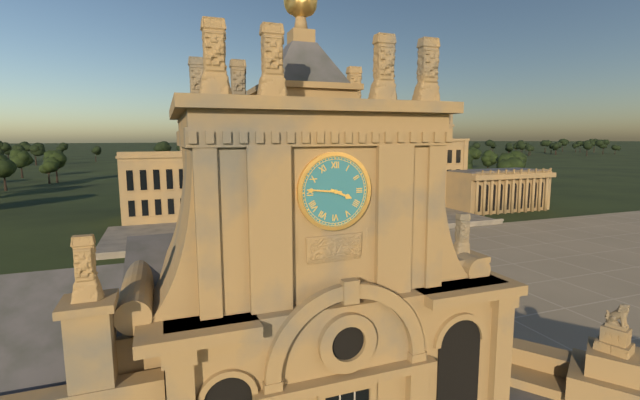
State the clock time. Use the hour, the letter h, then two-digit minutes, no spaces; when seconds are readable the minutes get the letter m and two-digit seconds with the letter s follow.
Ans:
3h46
